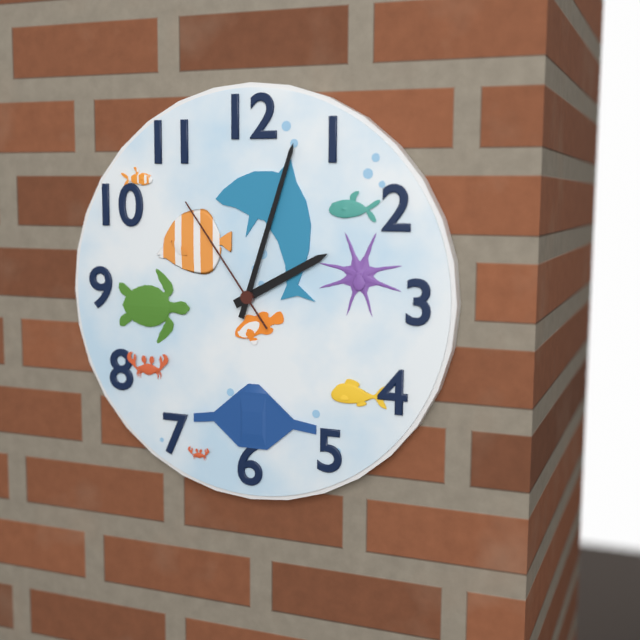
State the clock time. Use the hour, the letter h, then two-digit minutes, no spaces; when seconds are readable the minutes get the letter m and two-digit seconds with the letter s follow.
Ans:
2h03m54s
